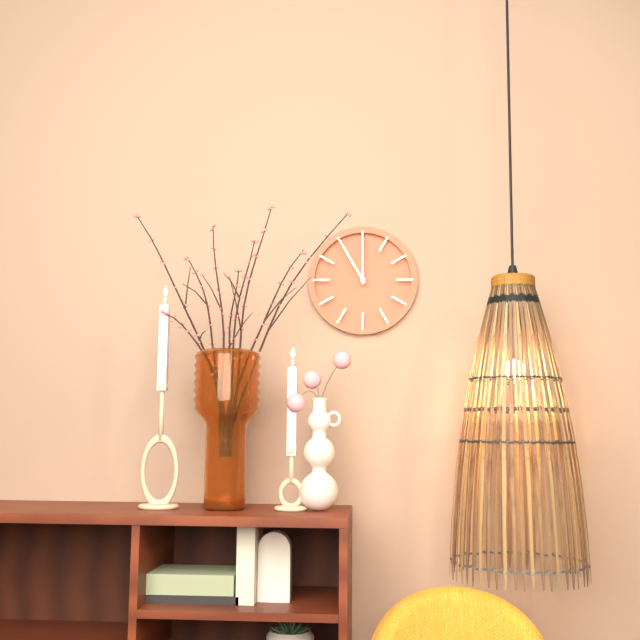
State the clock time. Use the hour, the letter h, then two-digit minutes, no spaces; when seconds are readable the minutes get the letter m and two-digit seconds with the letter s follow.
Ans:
11h00
